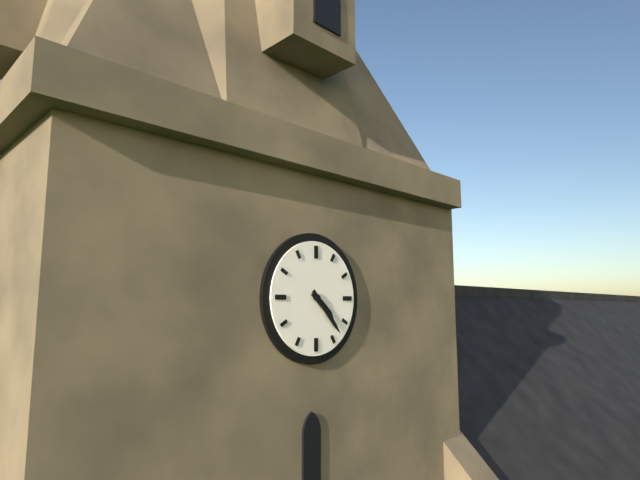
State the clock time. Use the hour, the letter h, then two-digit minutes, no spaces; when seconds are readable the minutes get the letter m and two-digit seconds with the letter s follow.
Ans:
4h23
